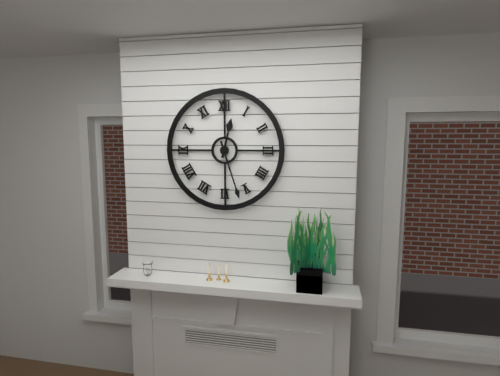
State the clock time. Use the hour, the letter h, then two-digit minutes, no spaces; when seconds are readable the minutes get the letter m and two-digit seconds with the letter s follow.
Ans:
12h27
